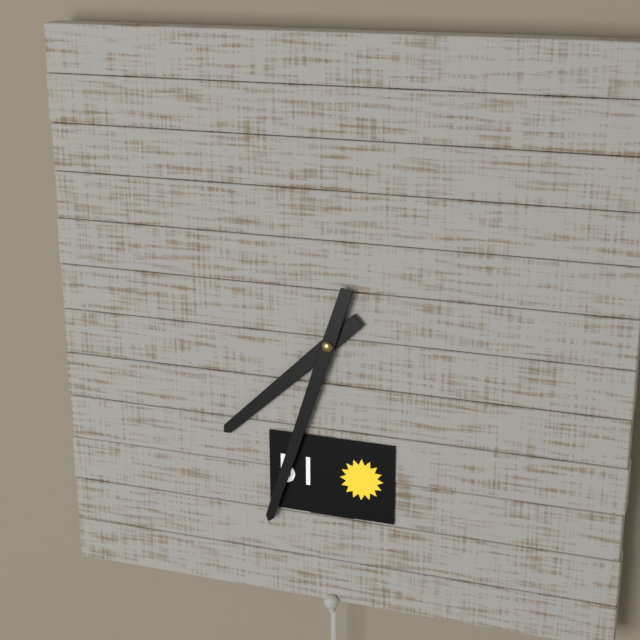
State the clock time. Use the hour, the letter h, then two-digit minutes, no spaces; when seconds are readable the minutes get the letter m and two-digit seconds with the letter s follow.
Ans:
7h33
